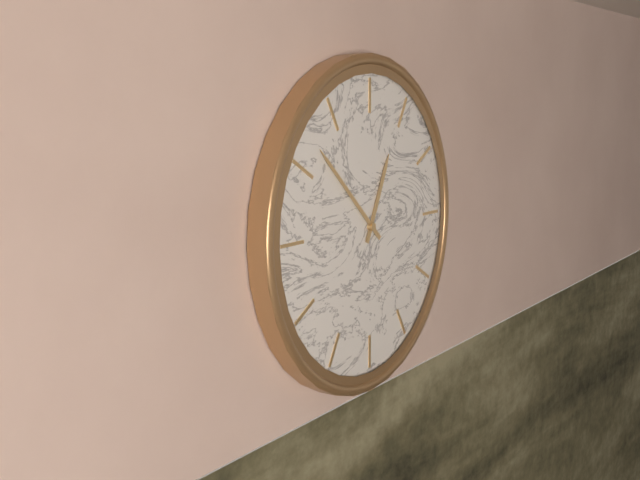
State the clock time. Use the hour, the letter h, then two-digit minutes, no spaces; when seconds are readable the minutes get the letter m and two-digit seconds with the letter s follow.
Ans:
12h52
